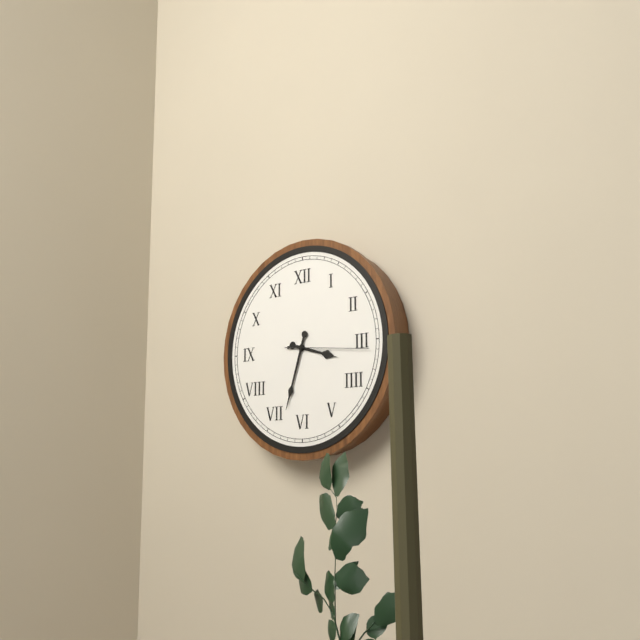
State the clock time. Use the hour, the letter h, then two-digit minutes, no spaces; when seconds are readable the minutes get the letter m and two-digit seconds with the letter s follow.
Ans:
3h33m16s
